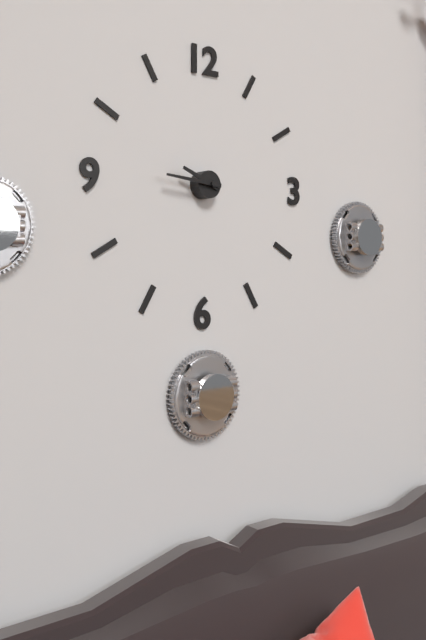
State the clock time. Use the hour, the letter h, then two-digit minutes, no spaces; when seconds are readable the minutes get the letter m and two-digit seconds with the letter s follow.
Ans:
9h46
